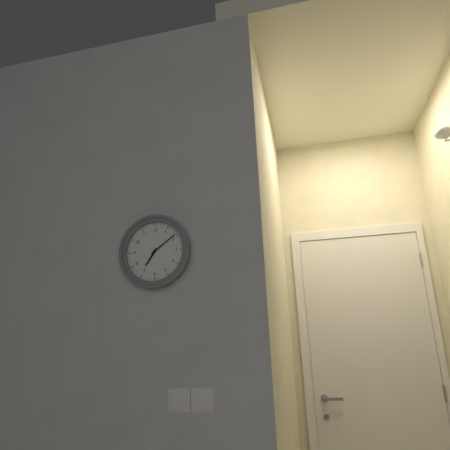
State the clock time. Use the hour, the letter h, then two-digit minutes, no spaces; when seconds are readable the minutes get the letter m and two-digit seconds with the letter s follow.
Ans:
7h09
